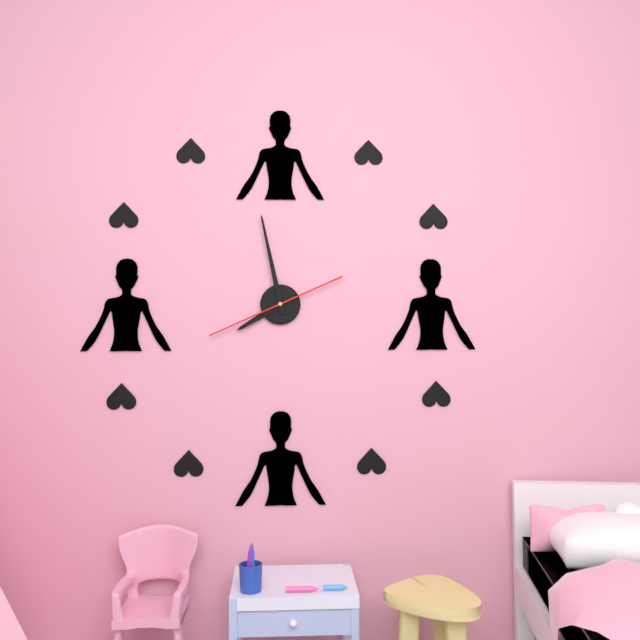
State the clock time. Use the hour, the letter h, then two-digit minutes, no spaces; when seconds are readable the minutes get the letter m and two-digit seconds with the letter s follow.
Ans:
7h58m41s
